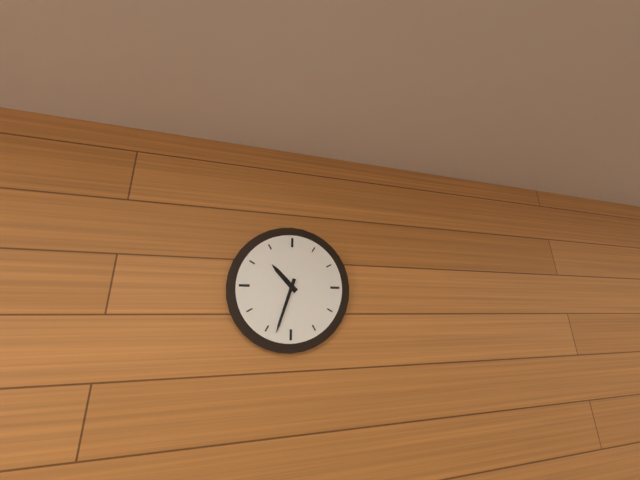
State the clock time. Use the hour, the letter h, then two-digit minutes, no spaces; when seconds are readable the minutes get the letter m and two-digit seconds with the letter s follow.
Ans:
10h33
